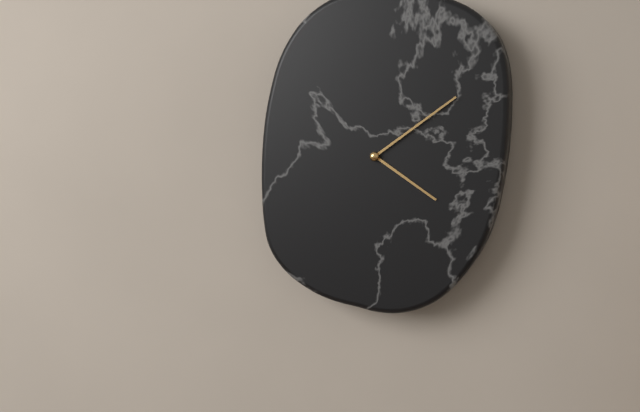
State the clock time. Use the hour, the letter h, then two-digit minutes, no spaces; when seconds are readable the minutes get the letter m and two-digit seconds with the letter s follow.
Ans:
4h09
